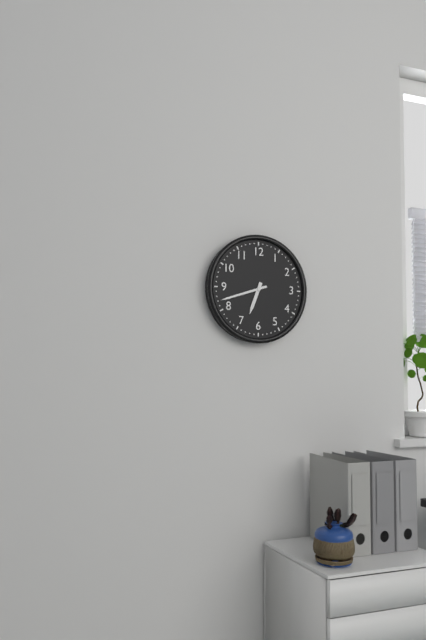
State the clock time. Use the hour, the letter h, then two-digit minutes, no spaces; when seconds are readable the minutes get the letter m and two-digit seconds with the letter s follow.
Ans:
6h42
